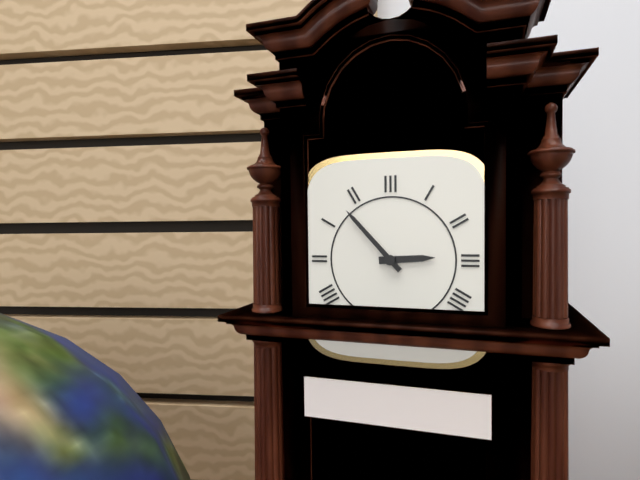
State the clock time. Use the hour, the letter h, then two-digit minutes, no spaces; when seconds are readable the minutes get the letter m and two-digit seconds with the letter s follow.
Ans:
2h53
